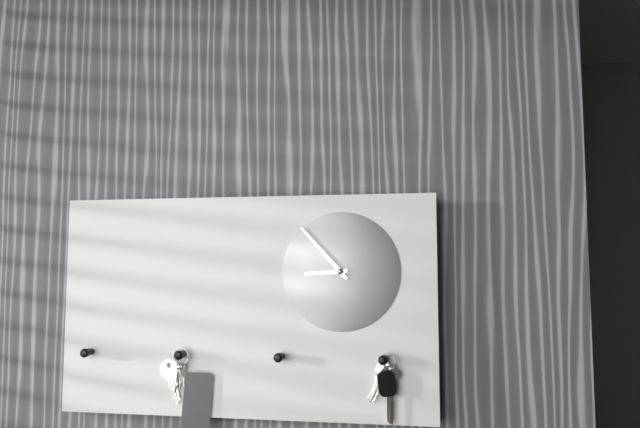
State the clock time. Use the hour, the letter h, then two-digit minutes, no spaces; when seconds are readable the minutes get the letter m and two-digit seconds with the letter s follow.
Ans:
8h53
